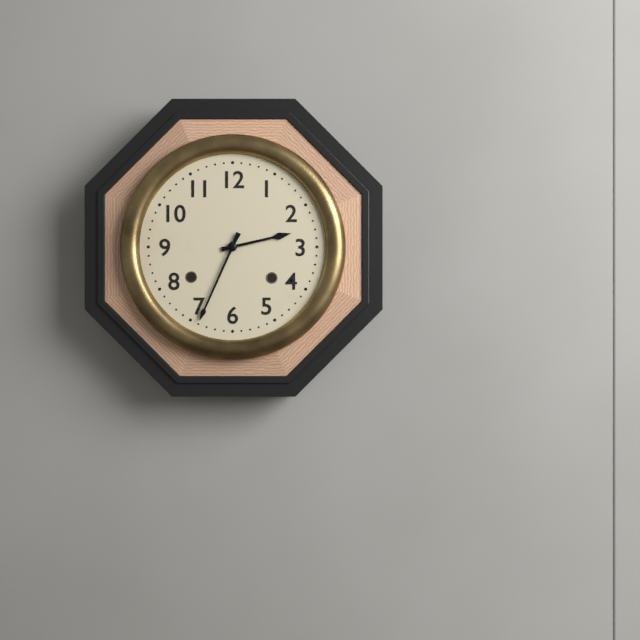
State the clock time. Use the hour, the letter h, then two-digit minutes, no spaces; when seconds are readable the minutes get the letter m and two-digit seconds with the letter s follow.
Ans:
2h34
